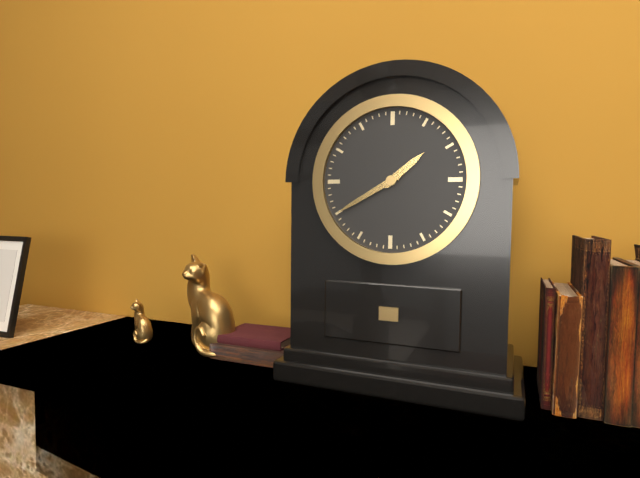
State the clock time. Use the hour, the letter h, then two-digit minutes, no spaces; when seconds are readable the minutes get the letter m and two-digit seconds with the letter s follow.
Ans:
1h40
